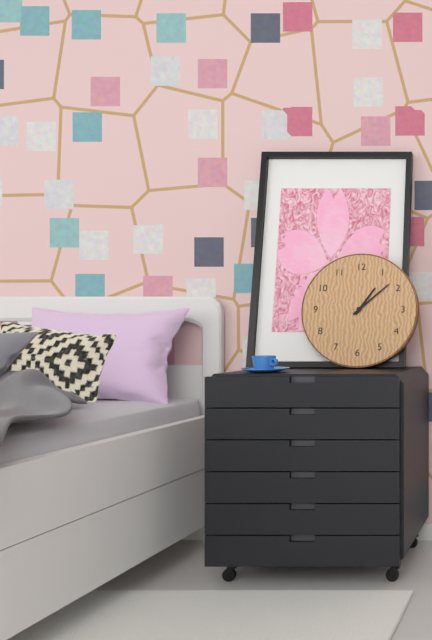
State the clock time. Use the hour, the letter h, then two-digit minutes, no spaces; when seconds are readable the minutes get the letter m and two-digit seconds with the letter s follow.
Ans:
1h08
